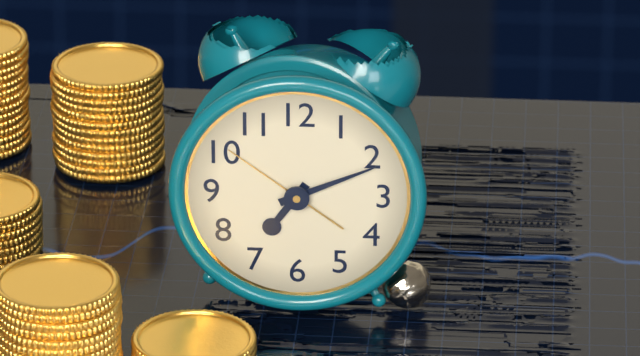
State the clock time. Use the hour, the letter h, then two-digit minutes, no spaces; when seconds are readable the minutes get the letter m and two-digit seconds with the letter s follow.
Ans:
7h11m51s
